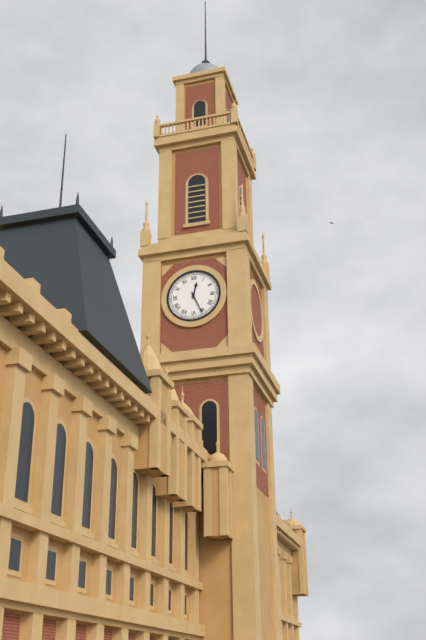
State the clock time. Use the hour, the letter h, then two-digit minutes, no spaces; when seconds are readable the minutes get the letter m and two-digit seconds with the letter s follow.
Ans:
12h26
